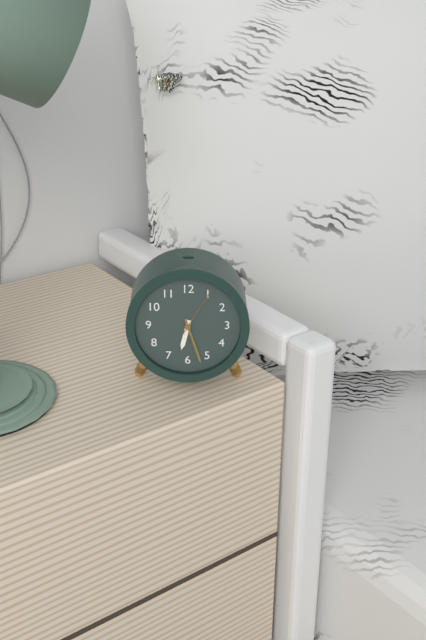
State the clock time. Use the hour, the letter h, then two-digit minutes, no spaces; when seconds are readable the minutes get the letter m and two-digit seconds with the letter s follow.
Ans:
6h27m05s
